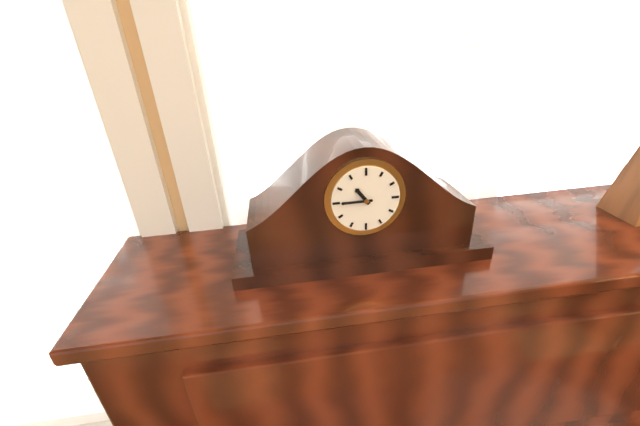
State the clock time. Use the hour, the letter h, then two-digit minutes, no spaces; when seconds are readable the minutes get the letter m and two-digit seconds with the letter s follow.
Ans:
10h45
